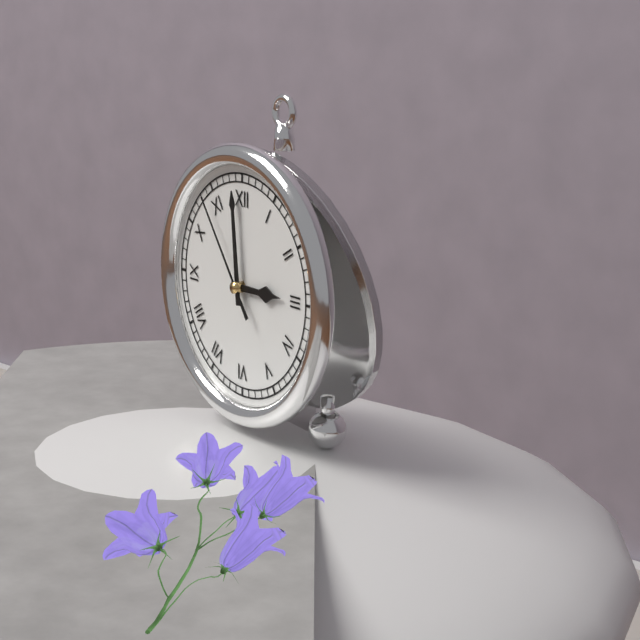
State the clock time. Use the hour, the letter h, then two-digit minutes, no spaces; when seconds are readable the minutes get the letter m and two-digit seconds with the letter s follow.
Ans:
2h59m54s
